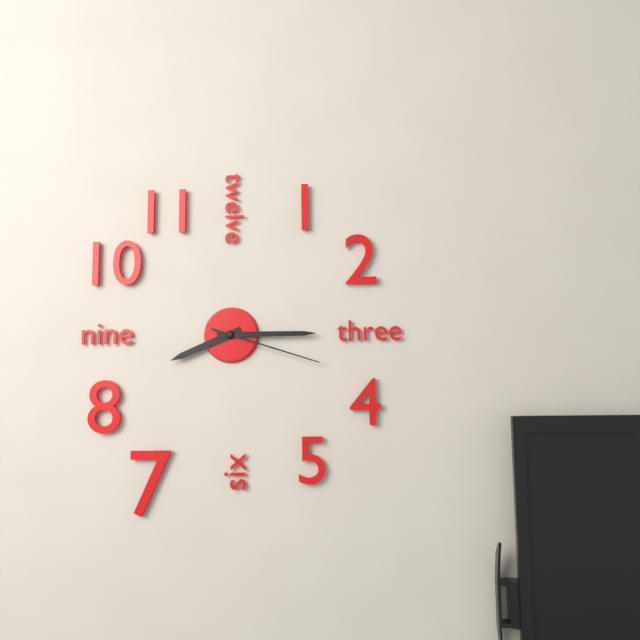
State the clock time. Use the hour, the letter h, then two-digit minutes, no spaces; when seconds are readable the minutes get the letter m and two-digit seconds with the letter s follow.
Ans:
8h15m18s
